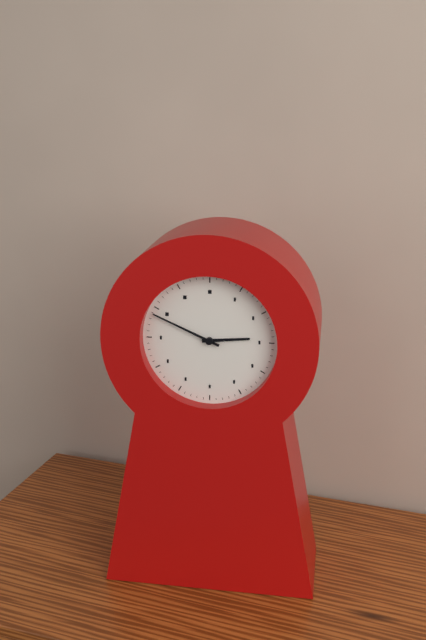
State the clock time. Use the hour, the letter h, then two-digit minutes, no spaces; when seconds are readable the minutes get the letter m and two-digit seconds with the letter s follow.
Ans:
2h49
